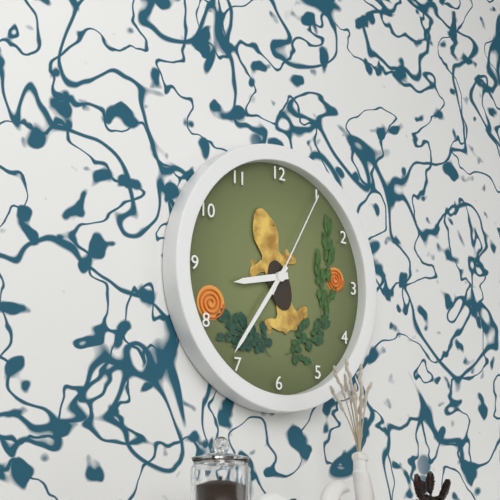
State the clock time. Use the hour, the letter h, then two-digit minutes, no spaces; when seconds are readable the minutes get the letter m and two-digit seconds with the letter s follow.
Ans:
8h36m05s
